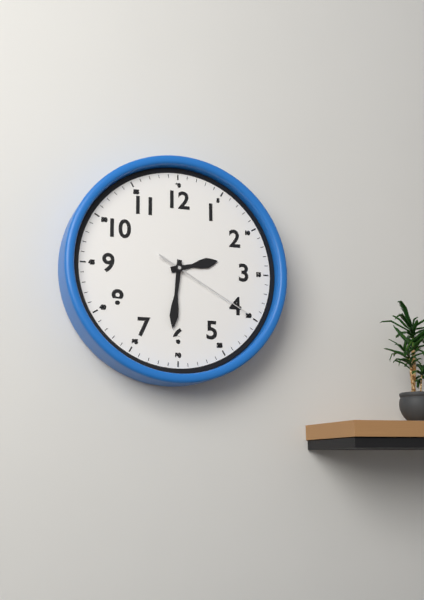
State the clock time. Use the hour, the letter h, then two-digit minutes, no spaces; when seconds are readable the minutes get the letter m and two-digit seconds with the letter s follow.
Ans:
2h31m20s
